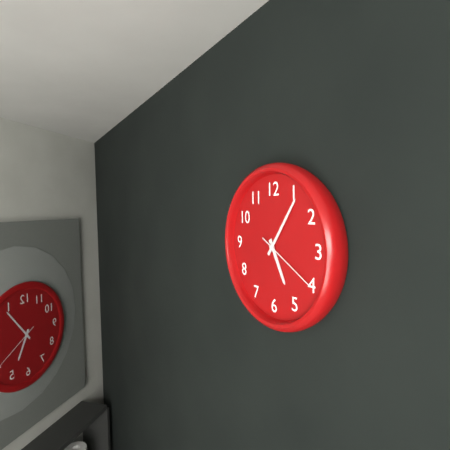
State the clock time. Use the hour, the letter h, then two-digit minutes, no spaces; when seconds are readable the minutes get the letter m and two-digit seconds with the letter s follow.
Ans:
5h06m20s
